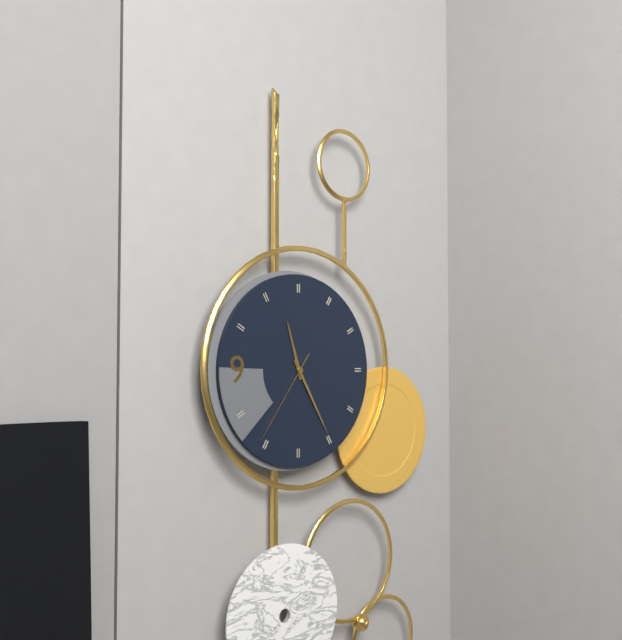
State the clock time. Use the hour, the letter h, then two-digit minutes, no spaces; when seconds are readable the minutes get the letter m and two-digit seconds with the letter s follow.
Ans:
11h25m36s
